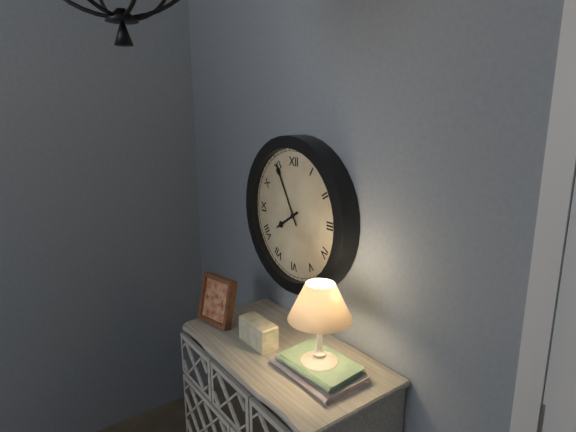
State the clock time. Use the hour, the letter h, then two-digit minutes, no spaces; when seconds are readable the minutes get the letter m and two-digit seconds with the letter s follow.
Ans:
7h55
